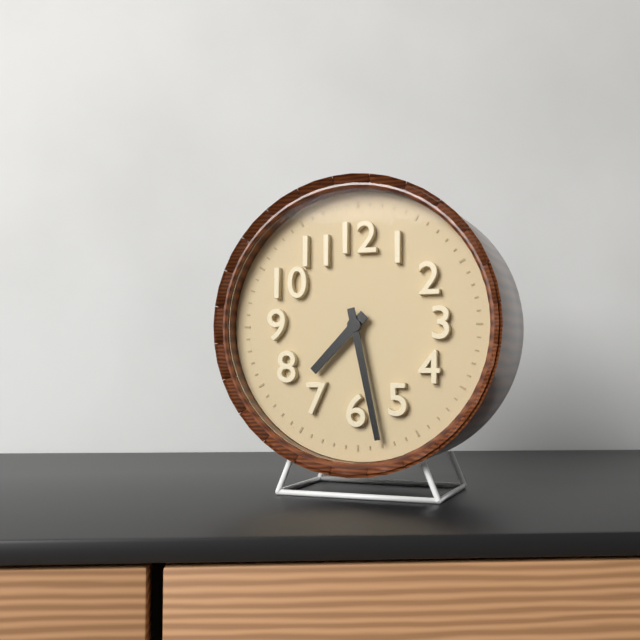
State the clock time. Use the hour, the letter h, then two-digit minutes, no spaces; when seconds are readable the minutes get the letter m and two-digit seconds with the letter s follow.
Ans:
7h28
